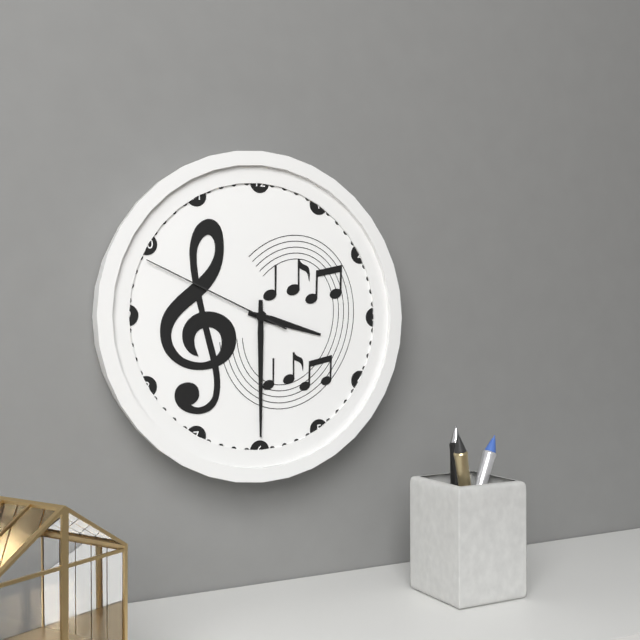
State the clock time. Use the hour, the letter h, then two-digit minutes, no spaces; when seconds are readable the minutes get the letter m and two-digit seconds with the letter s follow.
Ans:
3h30m49s
